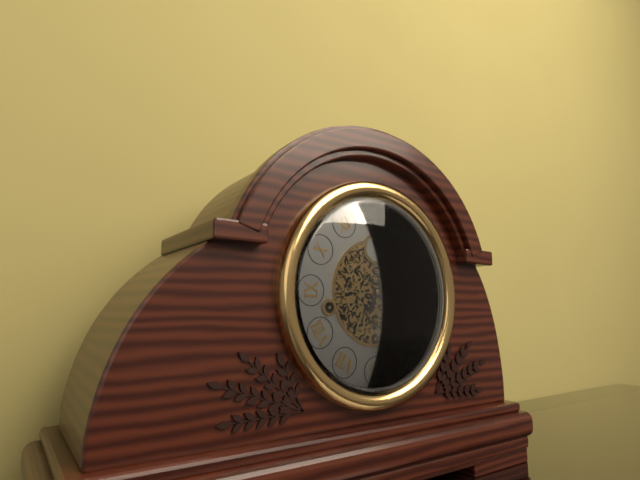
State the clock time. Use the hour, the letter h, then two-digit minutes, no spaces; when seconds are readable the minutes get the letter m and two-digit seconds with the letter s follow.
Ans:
4h05
